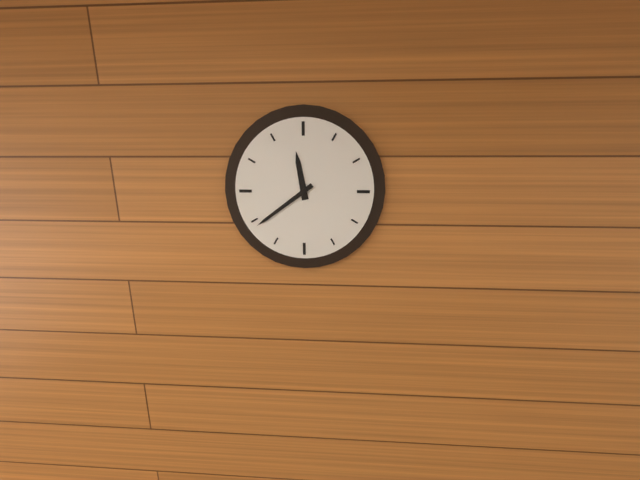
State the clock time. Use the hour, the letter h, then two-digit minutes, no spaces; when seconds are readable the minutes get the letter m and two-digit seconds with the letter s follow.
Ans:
11h39
